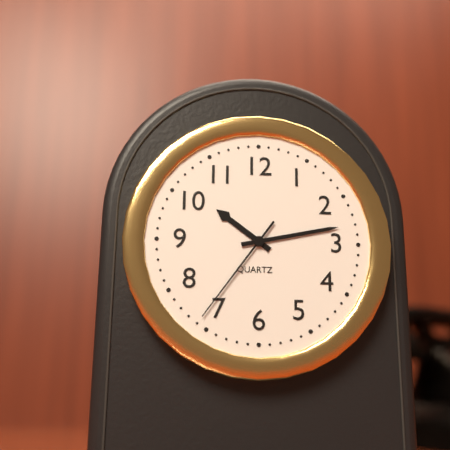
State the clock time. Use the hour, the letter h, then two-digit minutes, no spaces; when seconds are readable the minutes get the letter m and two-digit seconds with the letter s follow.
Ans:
10h13m36s
